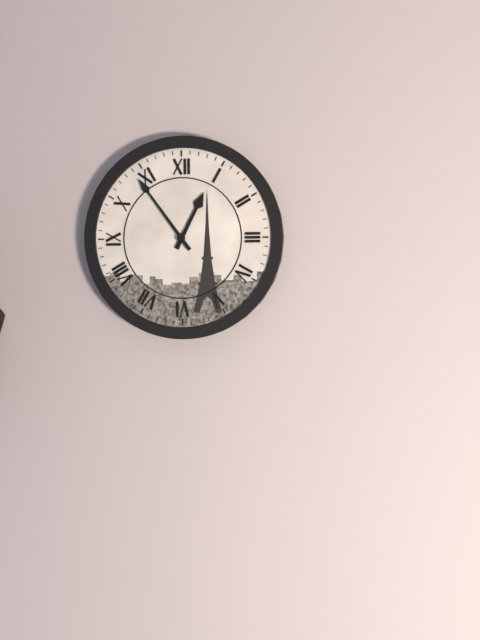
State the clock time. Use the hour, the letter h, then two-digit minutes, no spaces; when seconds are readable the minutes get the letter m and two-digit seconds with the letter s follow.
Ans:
12h54
